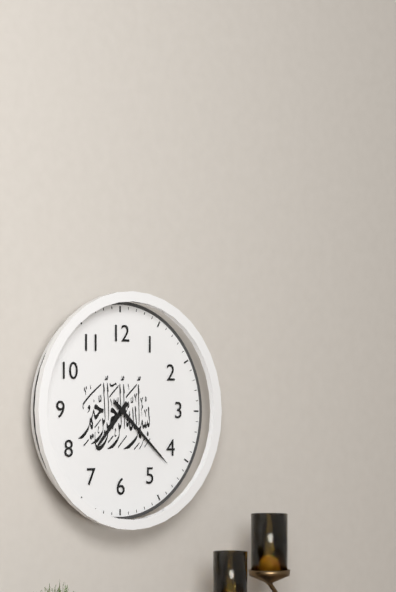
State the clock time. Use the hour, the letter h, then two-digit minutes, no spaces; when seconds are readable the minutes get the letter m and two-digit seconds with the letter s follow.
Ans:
7h22
